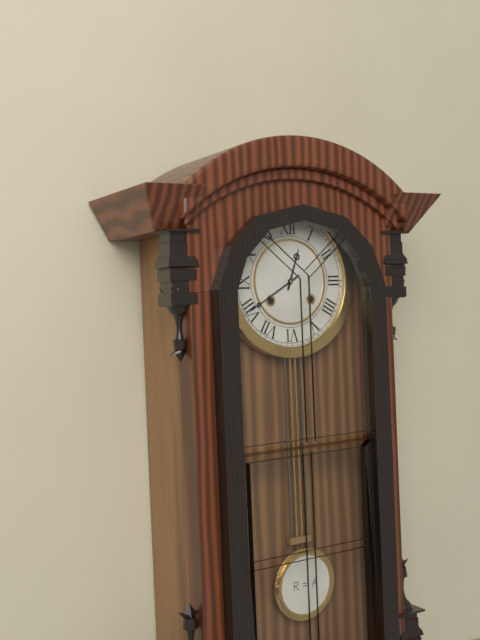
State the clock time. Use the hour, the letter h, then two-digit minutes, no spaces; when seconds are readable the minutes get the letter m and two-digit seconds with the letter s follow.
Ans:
12h40
